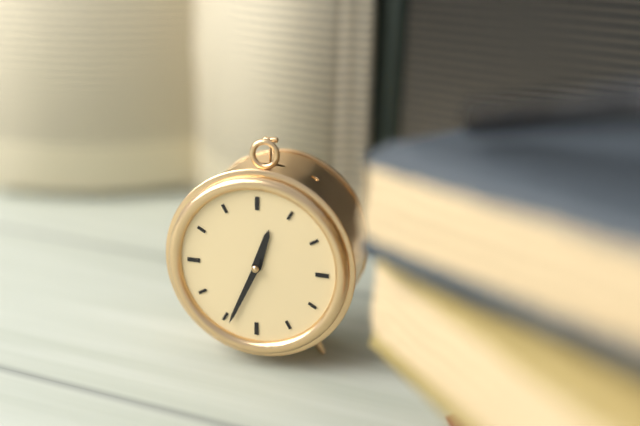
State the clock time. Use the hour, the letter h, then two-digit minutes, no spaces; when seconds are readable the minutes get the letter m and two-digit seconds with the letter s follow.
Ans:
12h34
